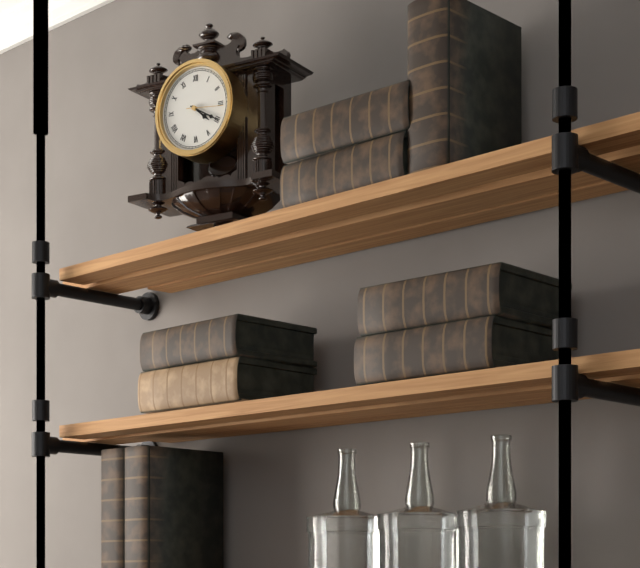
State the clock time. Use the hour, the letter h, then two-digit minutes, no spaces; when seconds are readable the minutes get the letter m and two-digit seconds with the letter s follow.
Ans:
4h20
